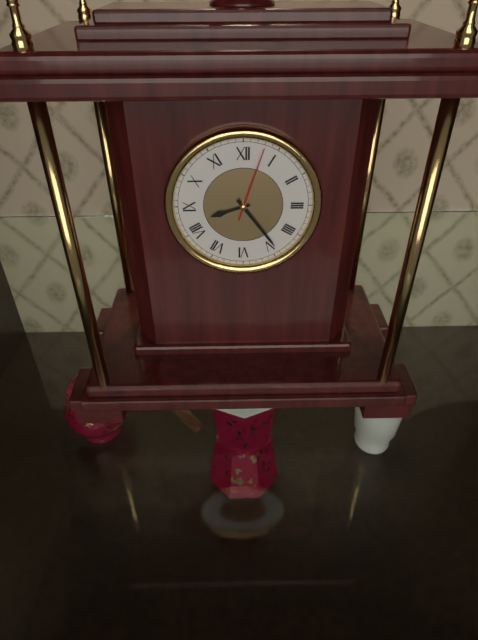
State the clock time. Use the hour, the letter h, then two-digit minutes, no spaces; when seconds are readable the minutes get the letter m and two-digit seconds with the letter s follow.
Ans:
8h24m03s
